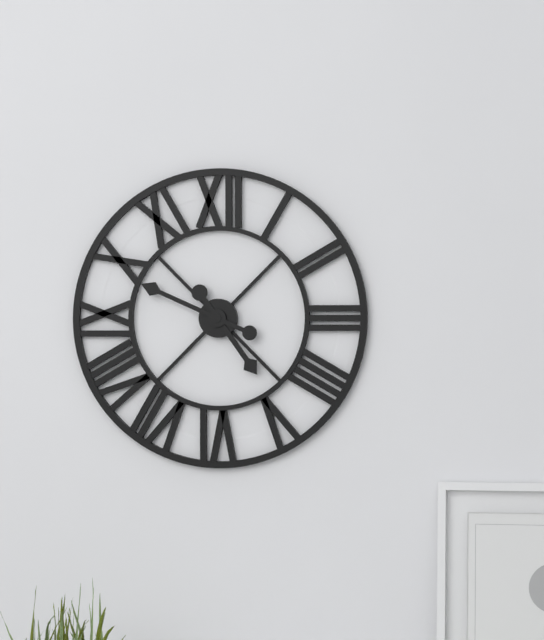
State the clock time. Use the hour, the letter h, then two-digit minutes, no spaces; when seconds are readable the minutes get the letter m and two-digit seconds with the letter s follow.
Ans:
4h49
